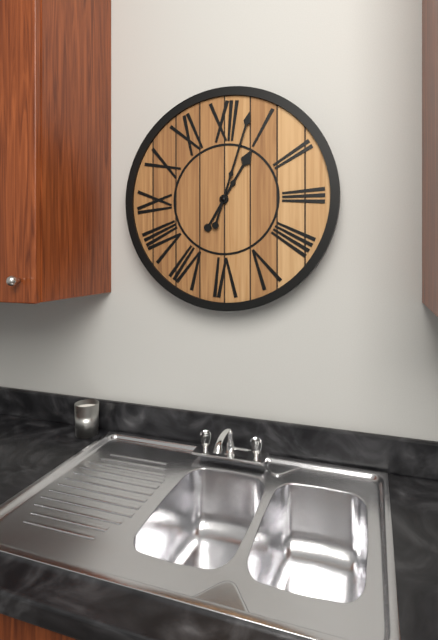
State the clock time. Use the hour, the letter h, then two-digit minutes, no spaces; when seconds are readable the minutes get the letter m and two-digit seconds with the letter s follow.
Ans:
1h03
